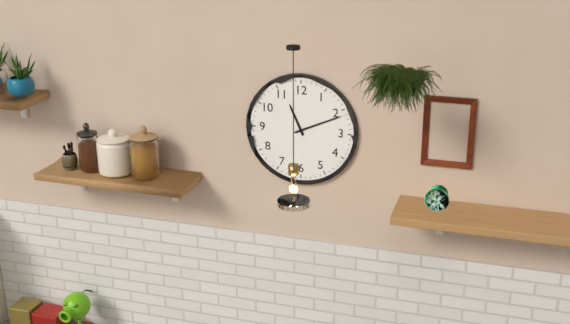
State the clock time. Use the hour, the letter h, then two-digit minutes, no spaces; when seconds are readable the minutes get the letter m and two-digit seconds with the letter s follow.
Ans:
11h11
